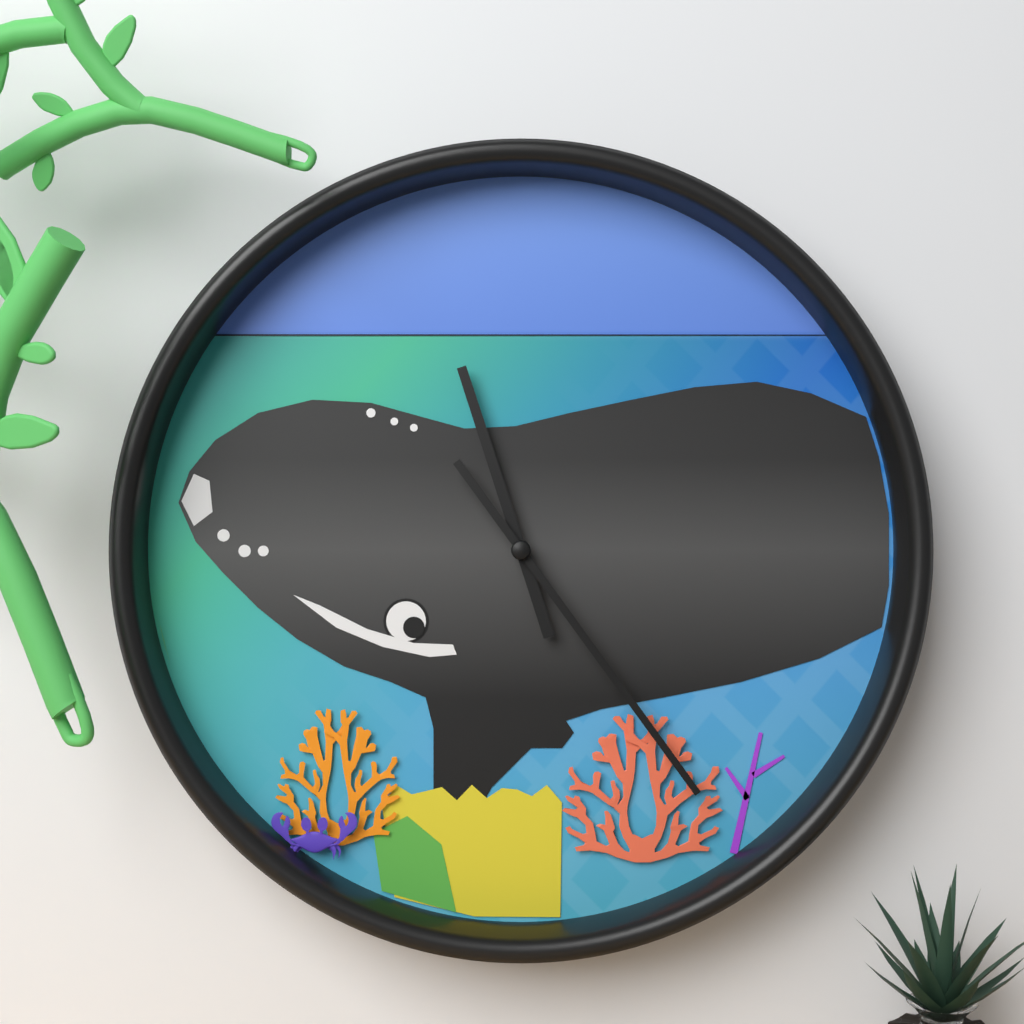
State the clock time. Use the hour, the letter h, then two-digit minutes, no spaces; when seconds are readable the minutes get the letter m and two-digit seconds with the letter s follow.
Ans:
11h24
